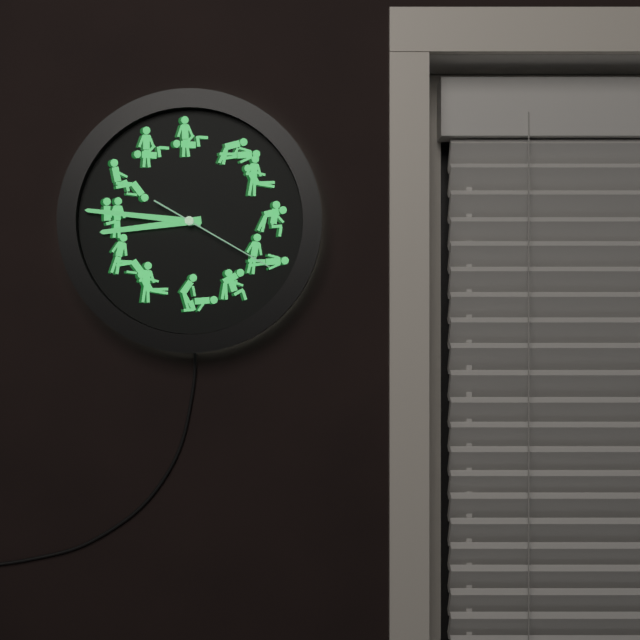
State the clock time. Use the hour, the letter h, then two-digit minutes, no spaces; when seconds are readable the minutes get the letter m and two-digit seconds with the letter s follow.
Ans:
8h46m20s
